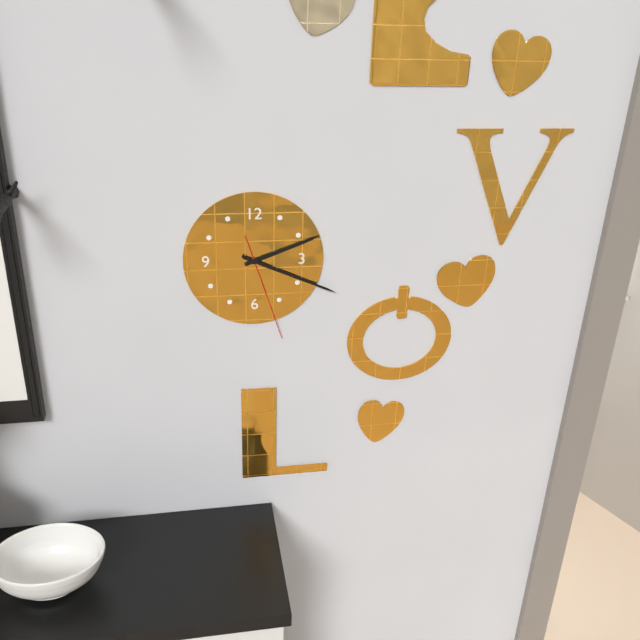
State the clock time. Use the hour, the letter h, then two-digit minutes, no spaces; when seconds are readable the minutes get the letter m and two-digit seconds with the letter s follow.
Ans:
2h19m27s
